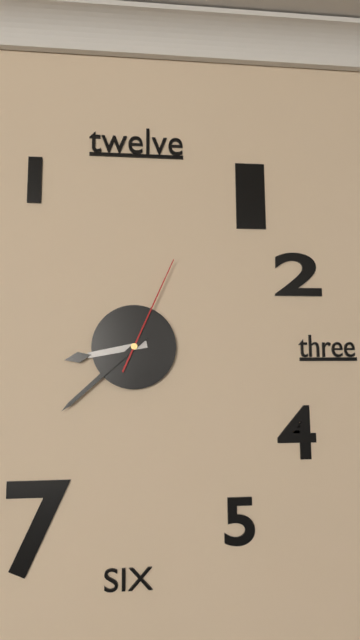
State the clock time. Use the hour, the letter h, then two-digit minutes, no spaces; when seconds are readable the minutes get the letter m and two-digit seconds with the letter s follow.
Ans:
8h38m04s
